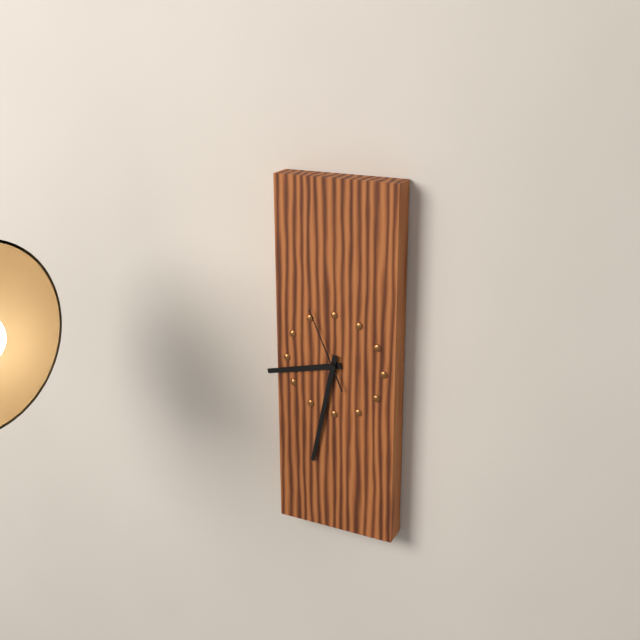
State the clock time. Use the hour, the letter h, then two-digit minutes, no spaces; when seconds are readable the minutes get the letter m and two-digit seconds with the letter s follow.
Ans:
8h32m56s
